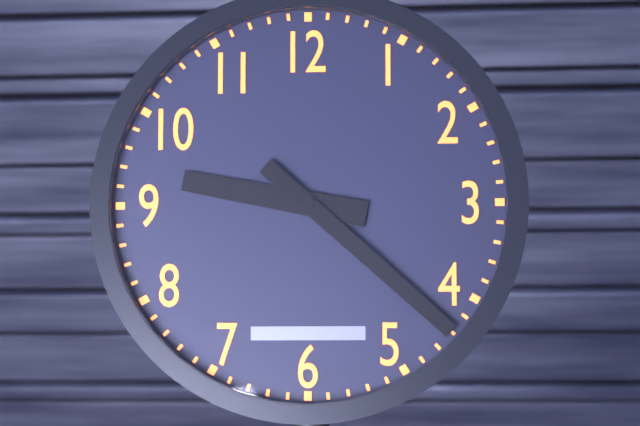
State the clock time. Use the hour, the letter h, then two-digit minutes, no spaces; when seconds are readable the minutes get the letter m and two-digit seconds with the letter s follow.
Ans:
9h22
